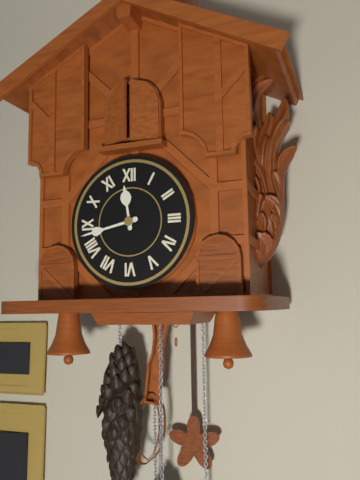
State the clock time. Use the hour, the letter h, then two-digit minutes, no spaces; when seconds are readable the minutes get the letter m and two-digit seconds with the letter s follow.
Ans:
11h43
